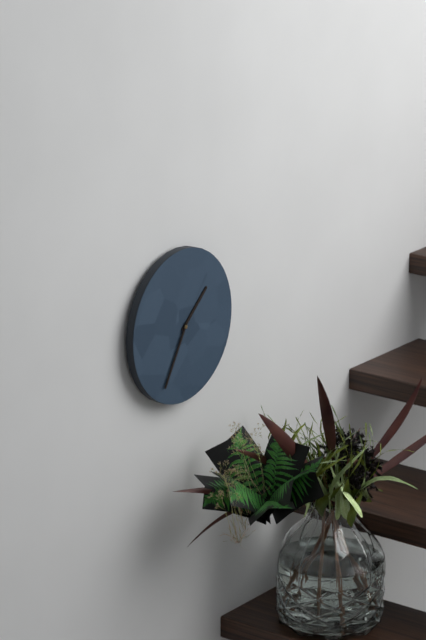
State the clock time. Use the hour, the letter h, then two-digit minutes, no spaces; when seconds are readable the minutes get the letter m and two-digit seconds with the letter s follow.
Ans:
1h35
